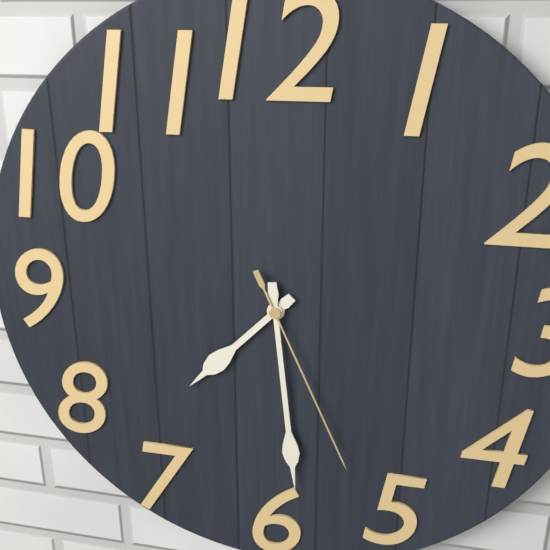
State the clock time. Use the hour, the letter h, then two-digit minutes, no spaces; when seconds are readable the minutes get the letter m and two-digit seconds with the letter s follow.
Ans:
7h29m26s
